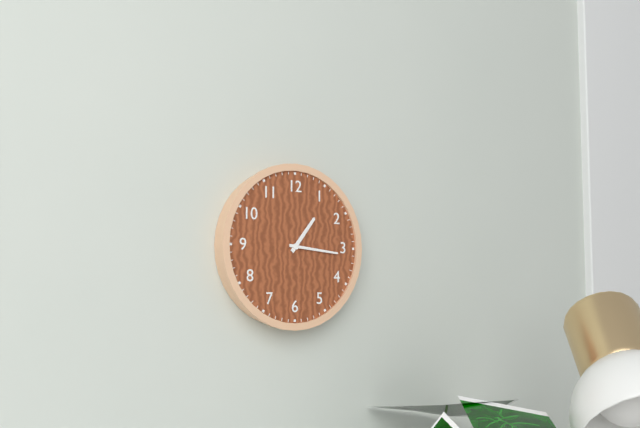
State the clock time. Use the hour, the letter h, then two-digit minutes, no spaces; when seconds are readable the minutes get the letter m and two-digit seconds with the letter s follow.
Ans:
1h16
